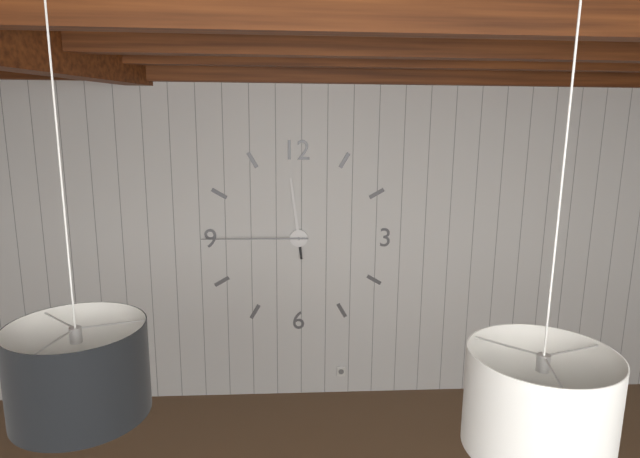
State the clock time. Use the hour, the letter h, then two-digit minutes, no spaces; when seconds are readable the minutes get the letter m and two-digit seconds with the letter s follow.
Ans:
11h45
